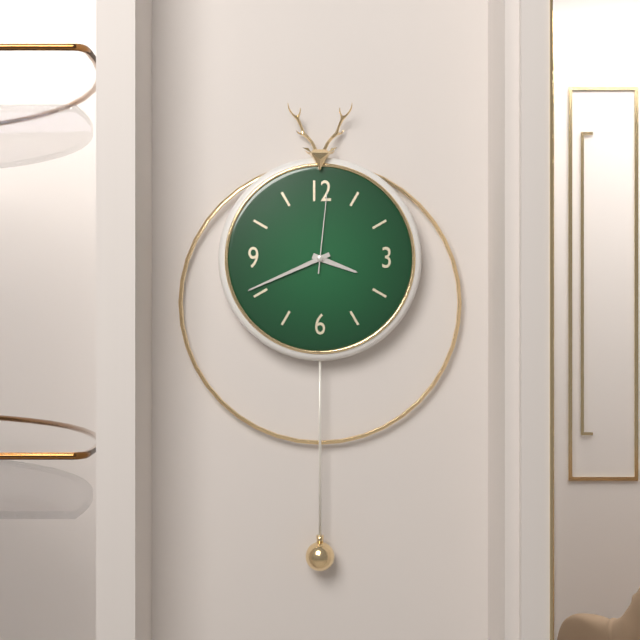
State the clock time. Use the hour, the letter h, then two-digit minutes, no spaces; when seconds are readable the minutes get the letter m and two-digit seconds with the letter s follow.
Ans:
3h41m01s
